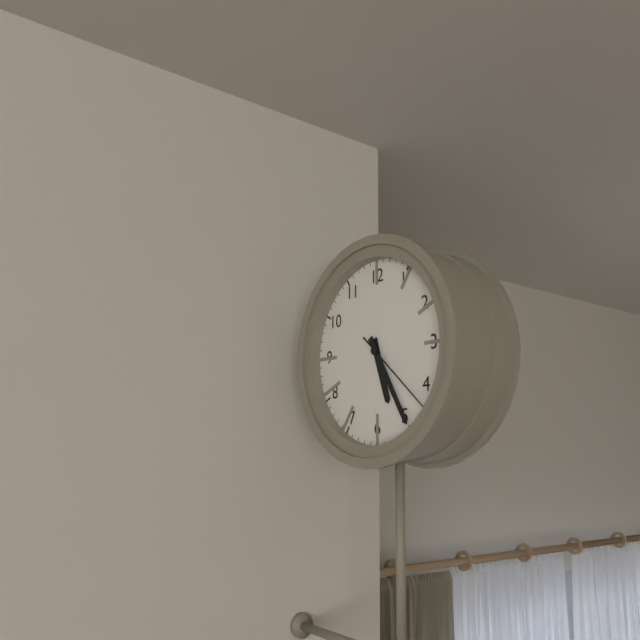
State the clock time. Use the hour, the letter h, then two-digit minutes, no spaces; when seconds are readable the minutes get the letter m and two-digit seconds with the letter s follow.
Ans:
5h25m22s
